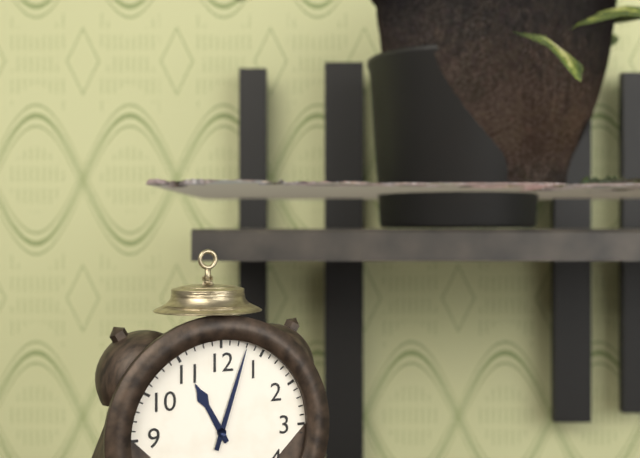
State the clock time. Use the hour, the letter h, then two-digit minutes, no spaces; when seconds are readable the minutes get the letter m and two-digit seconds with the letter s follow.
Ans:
11h03
